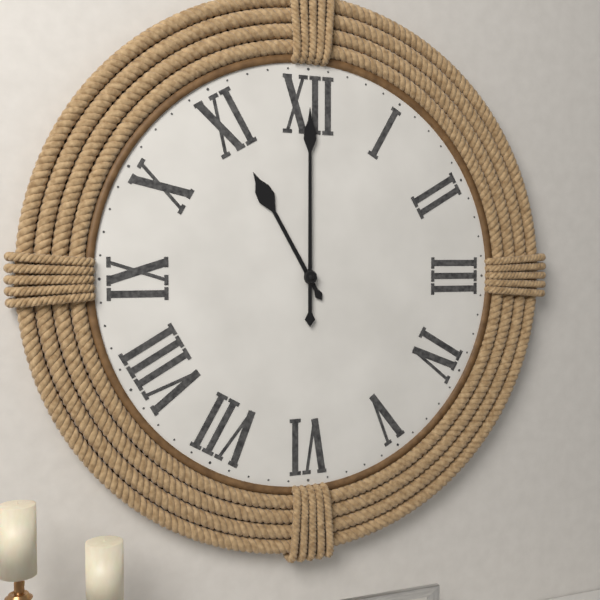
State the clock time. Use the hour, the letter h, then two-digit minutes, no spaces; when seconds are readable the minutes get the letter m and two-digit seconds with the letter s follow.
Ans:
11h00
